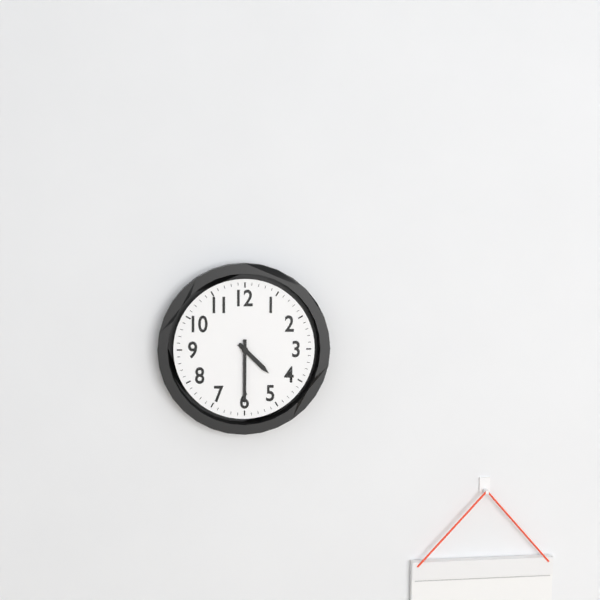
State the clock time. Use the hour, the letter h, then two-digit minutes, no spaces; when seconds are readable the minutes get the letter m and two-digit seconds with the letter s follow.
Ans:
4h30
